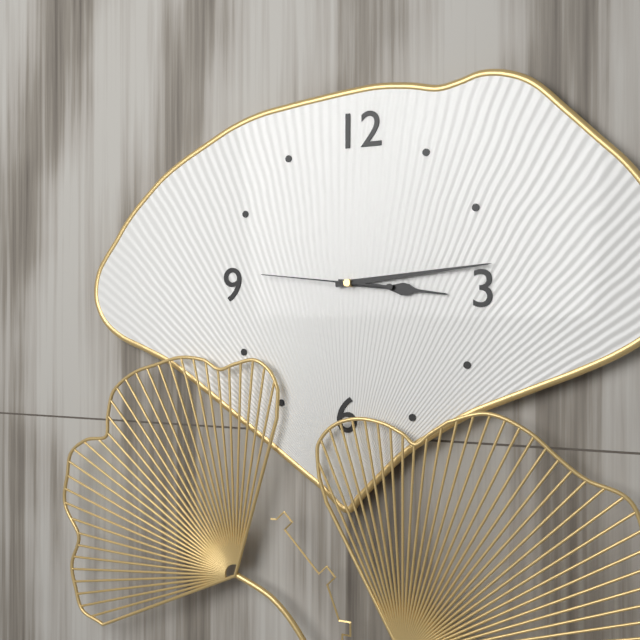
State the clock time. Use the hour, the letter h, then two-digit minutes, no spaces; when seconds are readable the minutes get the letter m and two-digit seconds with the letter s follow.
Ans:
3h14m46s
